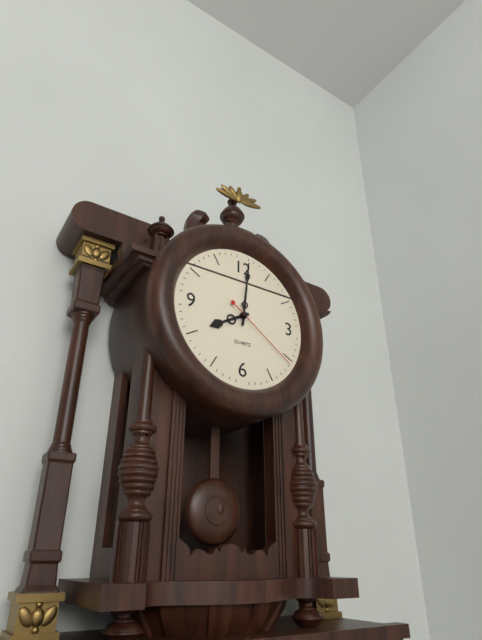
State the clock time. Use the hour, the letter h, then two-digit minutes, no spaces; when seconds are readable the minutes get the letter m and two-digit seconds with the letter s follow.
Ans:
8h01m21s
